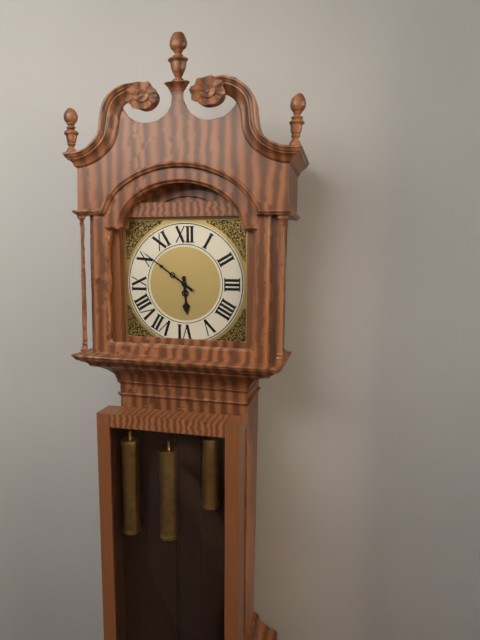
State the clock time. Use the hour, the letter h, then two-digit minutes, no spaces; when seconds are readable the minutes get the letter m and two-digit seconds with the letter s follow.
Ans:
5h51
